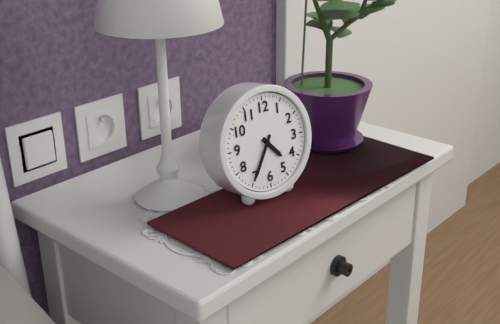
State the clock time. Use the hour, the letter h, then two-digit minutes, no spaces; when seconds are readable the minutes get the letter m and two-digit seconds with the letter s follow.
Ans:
4h35
